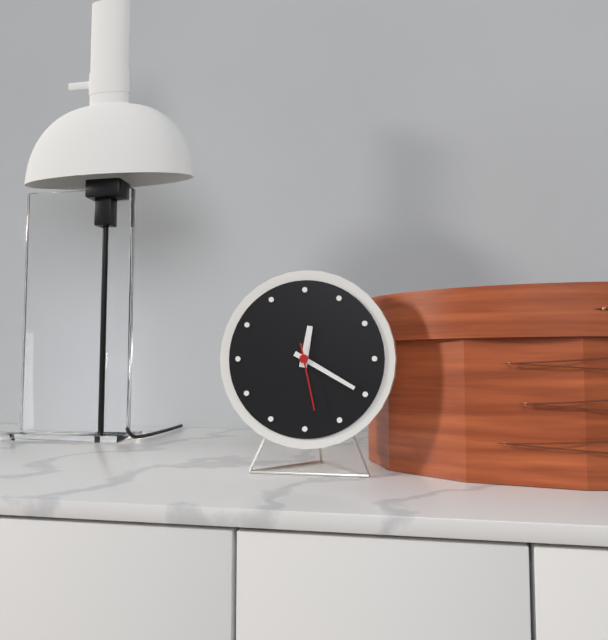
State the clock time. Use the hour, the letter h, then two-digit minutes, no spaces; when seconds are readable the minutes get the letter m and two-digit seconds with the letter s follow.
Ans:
12h20m28s
